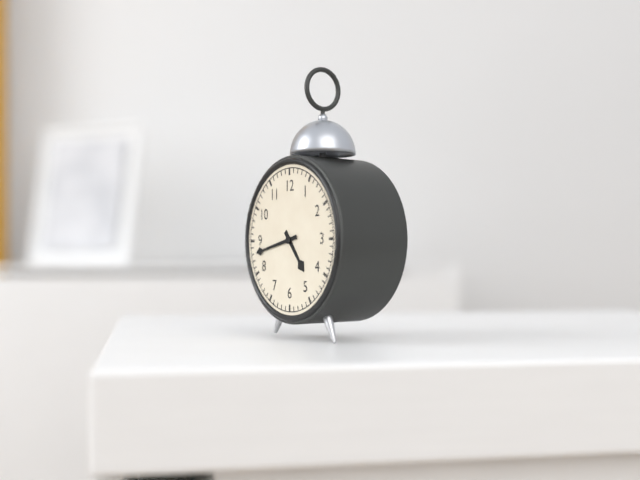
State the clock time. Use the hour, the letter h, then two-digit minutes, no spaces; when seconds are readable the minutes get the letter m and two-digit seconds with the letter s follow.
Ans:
4h43
